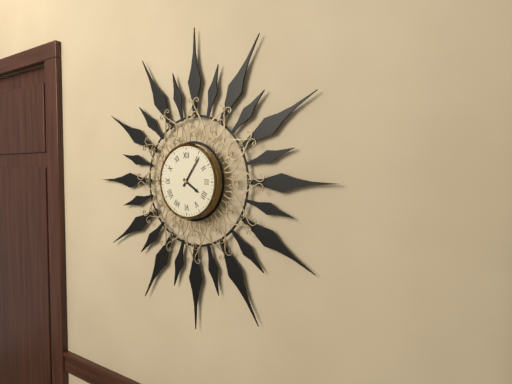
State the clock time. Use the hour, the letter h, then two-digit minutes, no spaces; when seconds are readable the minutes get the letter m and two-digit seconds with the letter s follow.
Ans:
4h06
